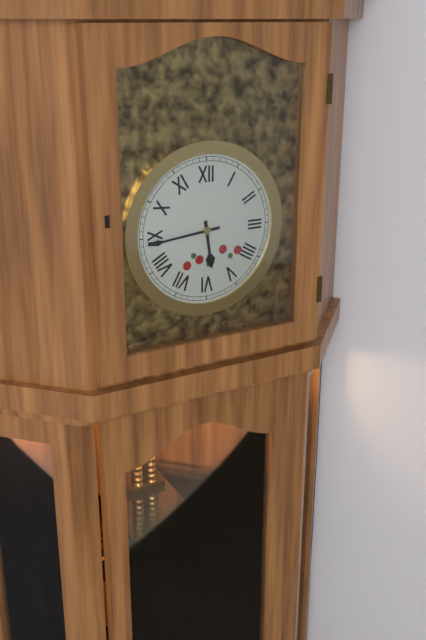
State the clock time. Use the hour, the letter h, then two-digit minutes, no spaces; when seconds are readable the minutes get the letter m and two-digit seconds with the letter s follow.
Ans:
5h44
